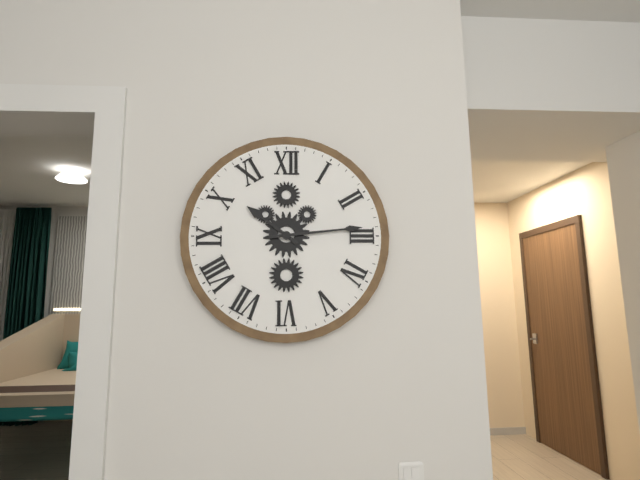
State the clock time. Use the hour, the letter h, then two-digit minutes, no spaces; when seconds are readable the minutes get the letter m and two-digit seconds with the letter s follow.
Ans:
10h14
